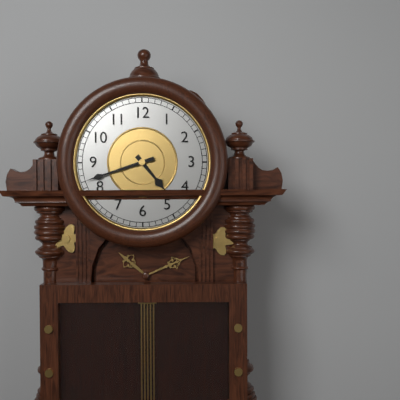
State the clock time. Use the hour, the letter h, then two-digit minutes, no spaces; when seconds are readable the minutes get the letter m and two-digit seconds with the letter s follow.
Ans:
4h42
